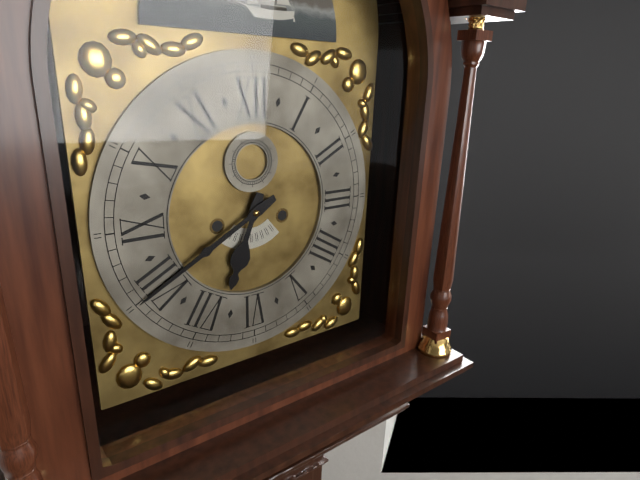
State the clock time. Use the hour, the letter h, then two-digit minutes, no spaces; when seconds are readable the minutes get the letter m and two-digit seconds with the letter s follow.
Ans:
6h40
